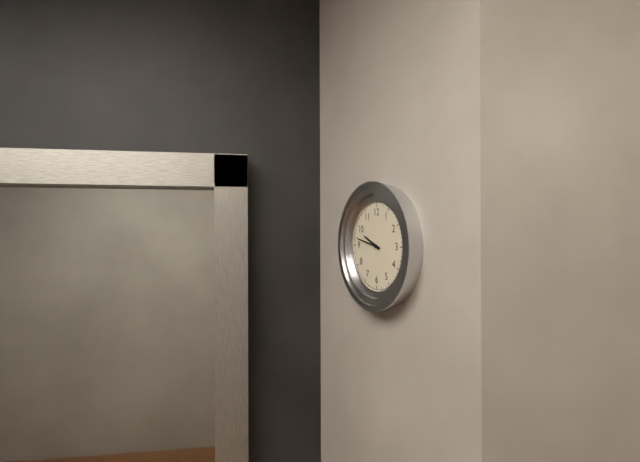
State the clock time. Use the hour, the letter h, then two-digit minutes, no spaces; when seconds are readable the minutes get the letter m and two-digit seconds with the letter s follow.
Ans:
9h47
